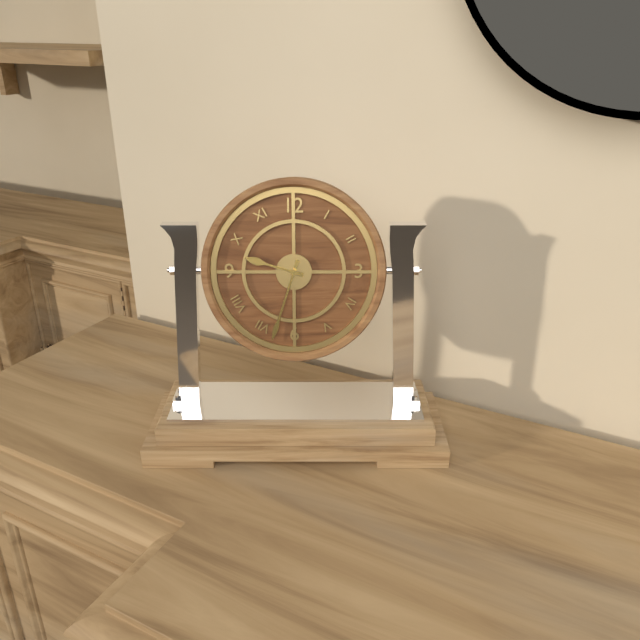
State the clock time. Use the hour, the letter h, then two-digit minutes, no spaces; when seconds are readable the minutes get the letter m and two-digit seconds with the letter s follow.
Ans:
9h33
